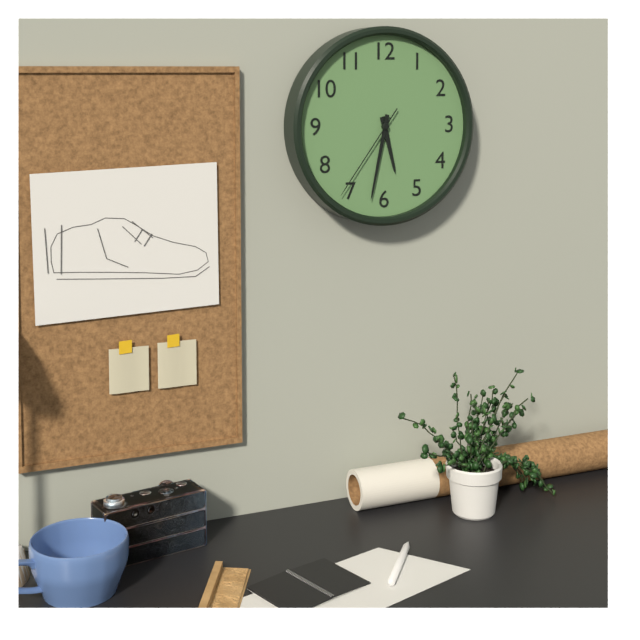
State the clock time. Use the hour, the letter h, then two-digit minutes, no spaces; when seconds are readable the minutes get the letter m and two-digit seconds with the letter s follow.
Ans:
5h32m36s
